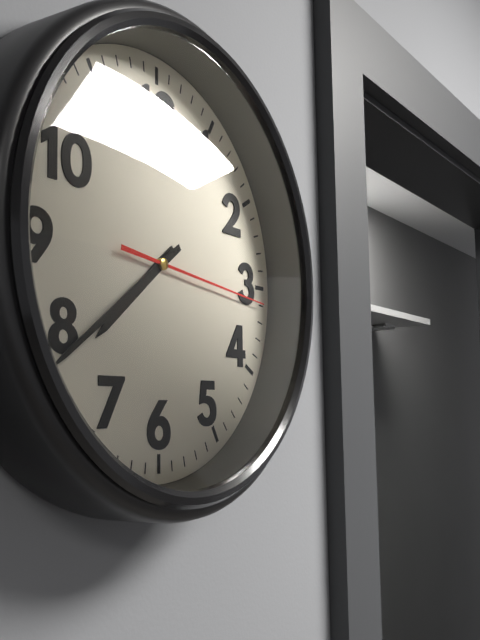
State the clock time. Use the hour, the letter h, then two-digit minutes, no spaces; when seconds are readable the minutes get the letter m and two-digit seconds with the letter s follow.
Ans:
7h39m16s
